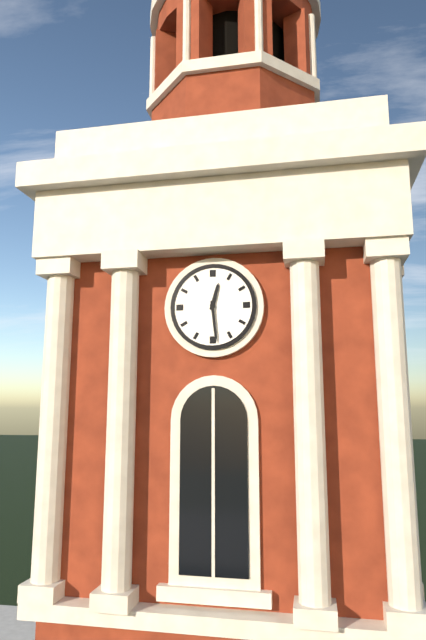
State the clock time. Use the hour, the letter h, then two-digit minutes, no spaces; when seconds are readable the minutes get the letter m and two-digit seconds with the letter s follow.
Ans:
12h29
